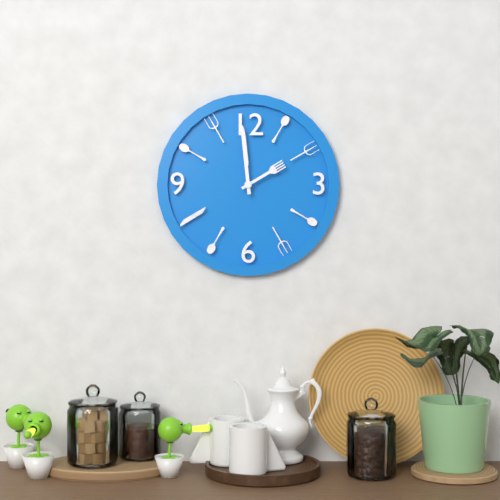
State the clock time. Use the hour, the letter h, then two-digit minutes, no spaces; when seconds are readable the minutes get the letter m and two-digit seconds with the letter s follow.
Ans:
1h59
